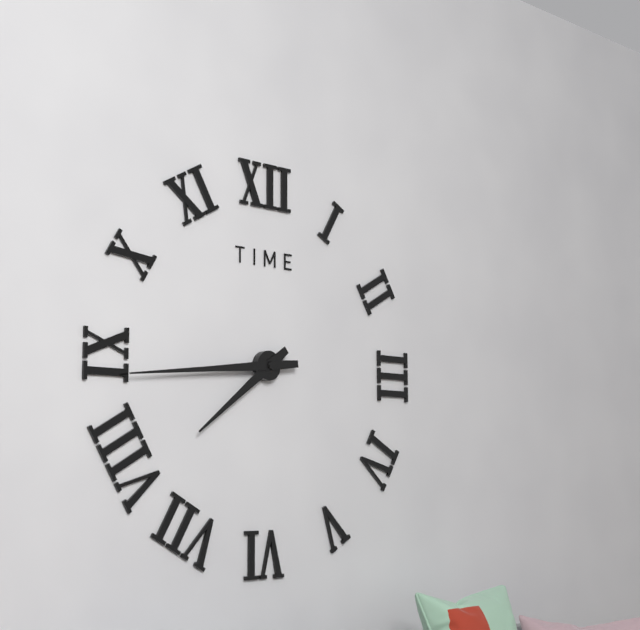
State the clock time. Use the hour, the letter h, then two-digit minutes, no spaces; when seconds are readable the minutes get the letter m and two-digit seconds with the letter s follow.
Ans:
7h44
